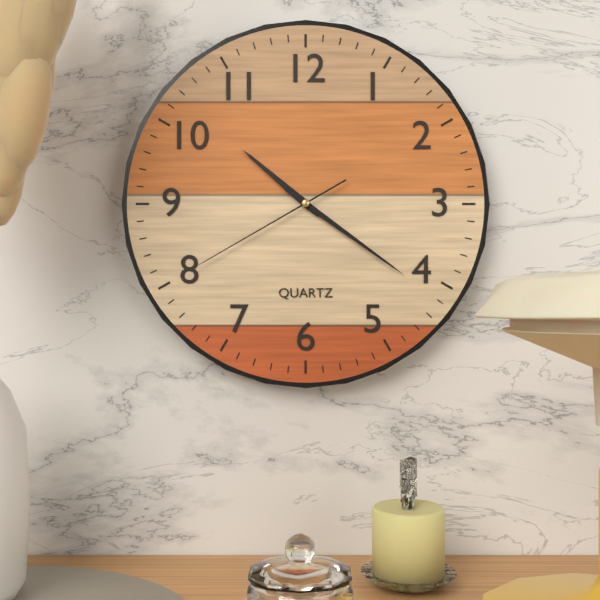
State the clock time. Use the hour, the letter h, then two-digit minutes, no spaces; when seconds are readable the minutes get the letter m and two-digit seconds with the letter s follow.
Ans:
10h21m40s
